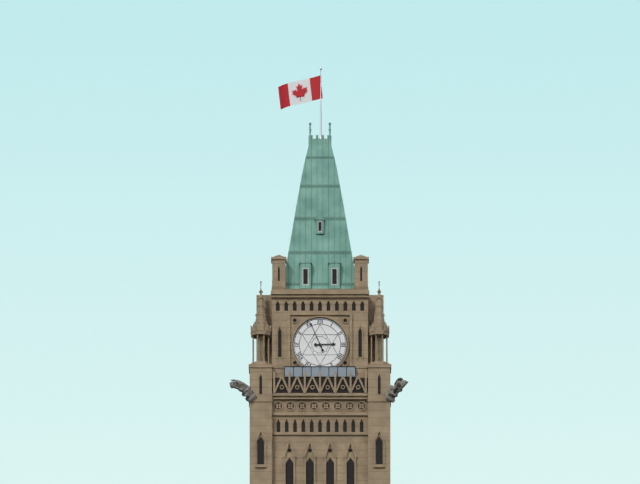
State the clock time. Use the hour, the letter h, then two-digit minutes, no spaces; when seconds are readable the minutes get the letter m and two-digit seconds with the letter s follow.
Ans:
2h56
